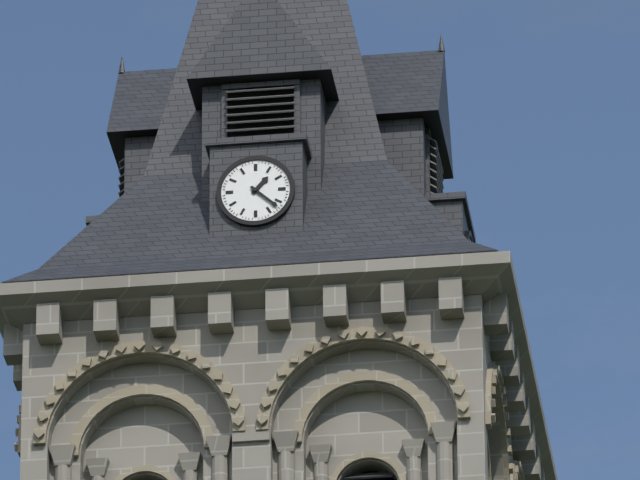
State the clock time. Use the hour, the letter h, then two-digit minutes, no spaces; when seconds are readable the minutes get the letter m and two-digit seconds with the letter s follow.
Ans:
1h22
